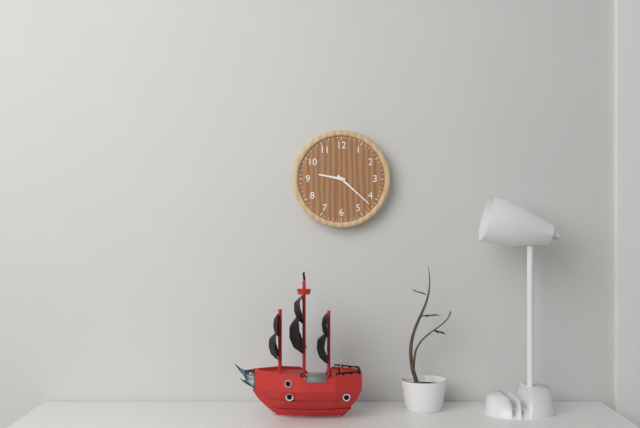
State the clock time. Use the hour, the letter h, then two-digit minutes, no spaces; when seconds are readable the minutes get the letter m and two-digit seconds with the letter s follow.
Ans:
9h22
